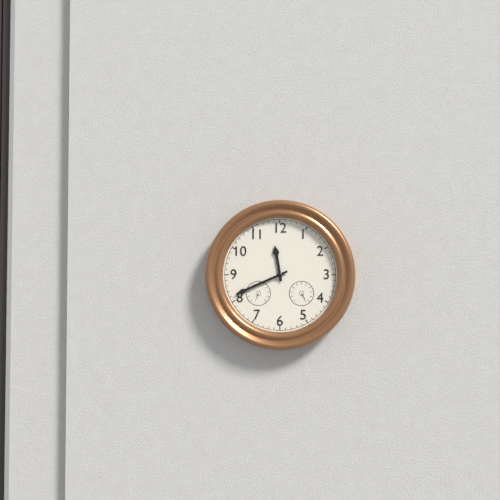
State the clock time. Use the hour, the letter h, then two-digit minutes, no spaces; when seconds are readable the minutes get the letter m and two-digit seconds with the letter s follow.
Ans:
11h41
